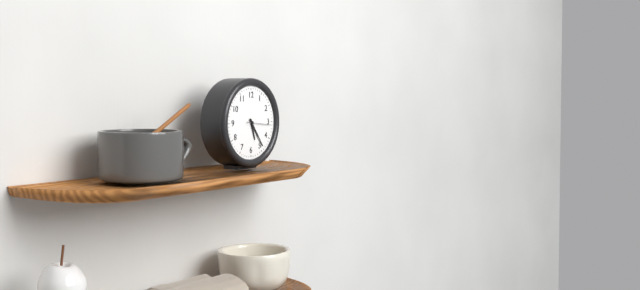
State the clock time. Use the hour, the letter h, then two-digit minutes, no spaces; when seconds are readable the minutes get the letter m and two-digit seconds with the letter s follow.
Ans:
5h24
